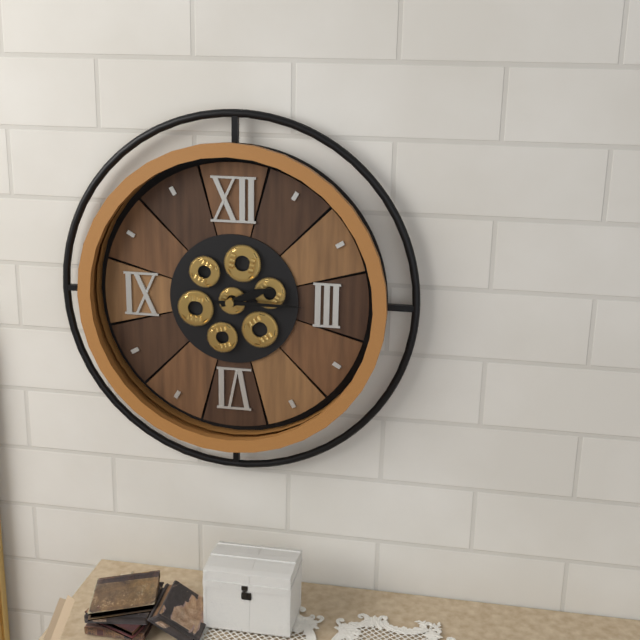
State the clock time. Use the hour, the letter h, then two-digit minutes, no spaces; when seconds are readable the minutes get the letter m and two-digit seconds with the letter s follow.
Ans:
2h15
